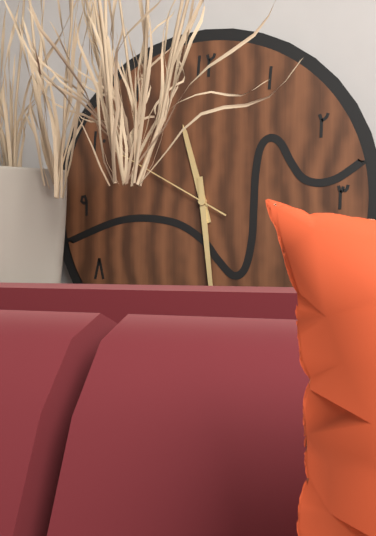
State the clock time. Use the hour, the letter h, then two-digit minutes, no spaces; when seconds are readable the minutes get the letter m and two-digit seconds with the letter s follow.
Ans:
11h29m50s
